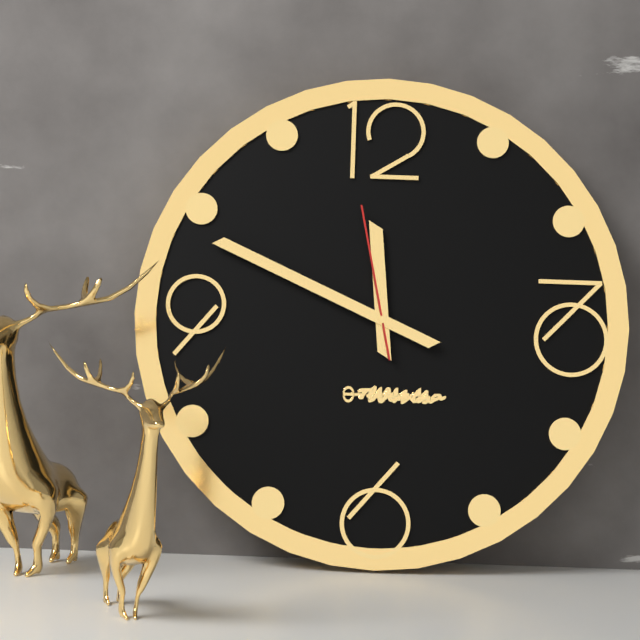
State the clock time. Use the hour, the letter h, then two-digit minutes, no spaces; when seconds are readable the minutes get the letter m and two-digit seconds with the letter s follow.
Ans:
11h49m58s
